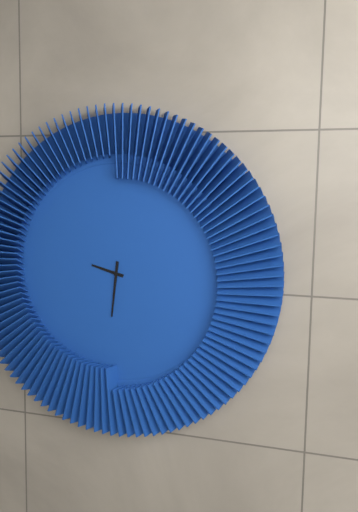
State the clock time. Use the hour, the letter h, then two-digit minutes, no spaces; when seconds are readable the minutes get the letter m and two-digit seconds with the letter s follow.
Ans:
9h31
